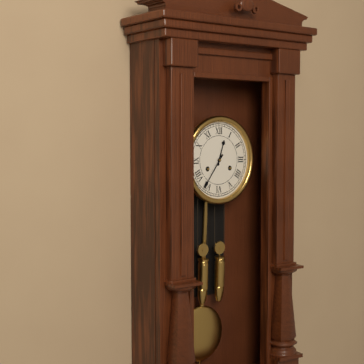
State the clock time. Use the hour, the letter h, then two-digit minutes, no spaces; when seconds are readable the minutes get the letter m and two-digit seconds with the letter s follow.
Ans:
12h36
